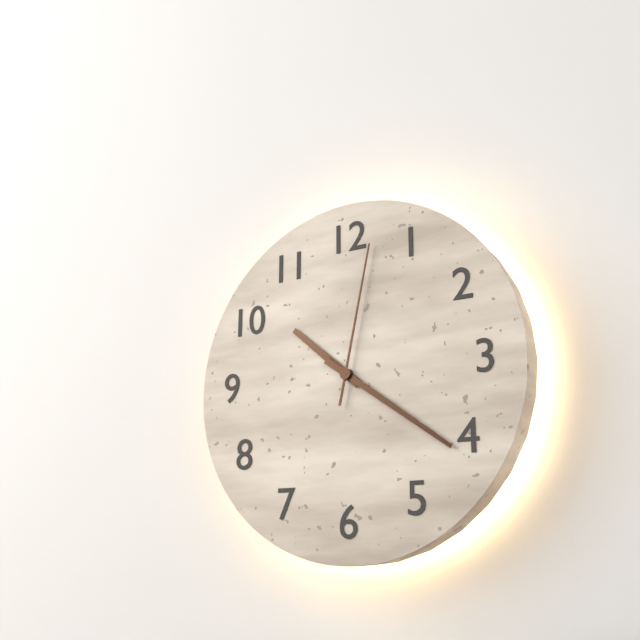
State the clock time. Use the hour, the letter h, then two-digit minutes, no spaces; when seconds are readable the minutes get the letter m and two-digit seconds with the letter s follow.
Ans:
10h21m02s
